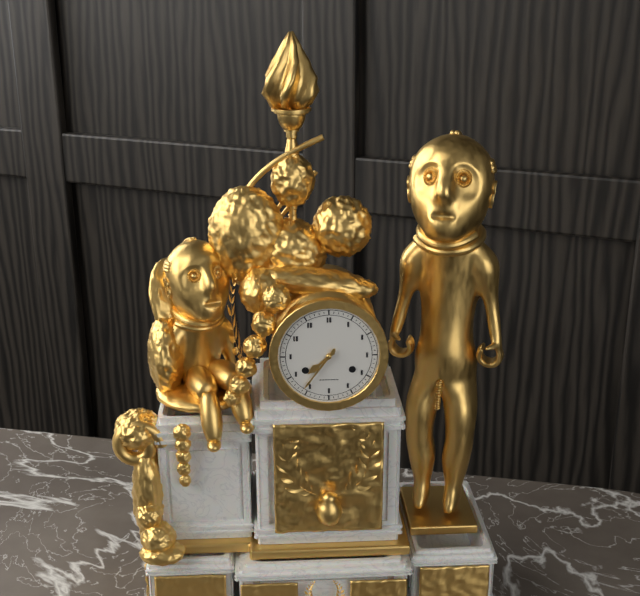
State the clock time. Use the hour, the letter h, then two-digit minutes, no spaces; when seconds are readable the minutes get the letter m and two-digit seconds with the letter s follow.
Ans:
7h36
